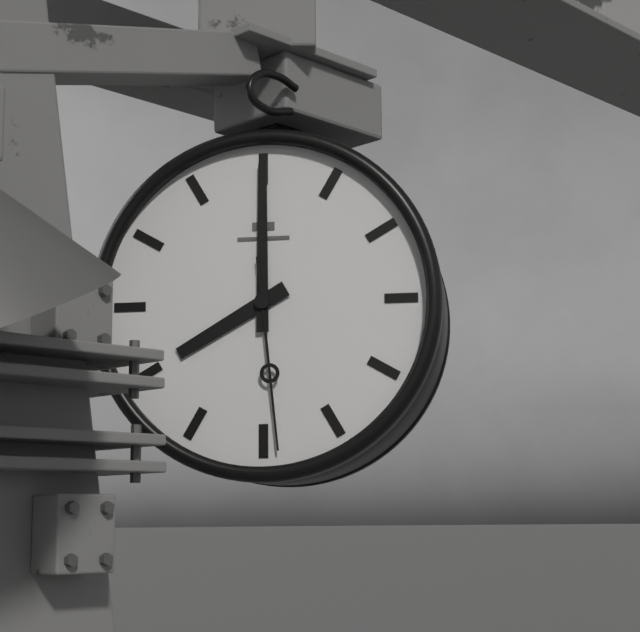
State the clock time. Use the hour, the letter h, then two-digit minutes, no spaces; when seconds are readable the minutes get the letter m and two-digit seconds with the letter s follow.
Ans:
8h00m29s
